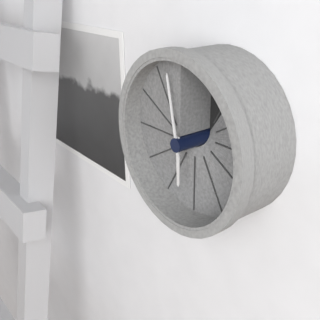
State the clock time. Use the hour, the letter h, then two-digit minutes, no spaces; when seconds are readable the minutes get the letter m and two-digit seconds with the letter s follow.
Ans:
5h58
